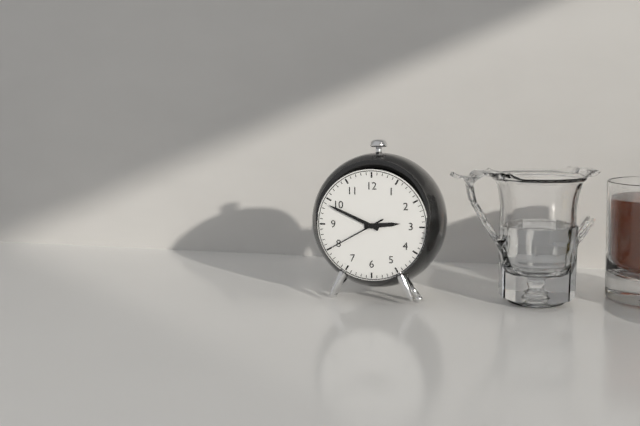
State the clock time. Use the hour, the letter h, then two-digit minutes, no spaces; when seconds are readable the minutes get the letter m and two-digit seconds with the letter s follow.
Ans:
2h49m40s
